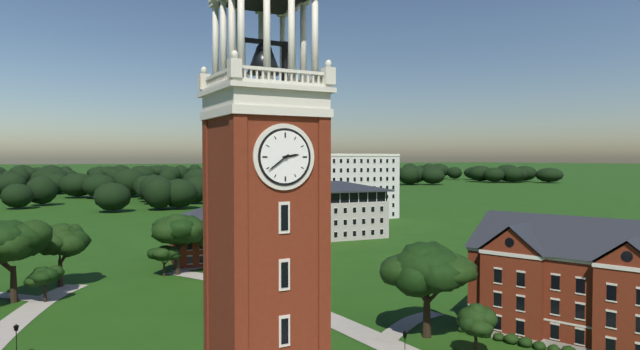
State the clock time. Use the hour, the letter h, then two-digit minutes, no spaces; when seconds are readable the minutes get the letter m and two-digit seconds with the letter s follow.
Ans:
2h39
